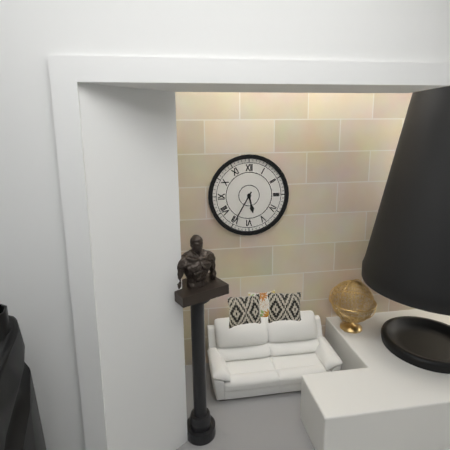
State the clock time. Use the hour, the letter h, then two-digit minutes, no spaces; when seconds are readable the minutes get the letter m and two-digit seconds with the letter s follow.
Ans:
5h35
